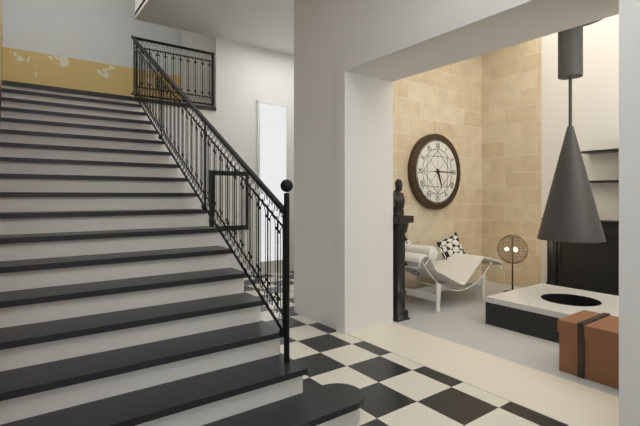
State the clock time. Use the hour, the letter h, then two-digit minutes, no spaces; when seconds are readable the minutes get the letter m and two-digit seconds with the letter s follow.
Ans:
5h15
